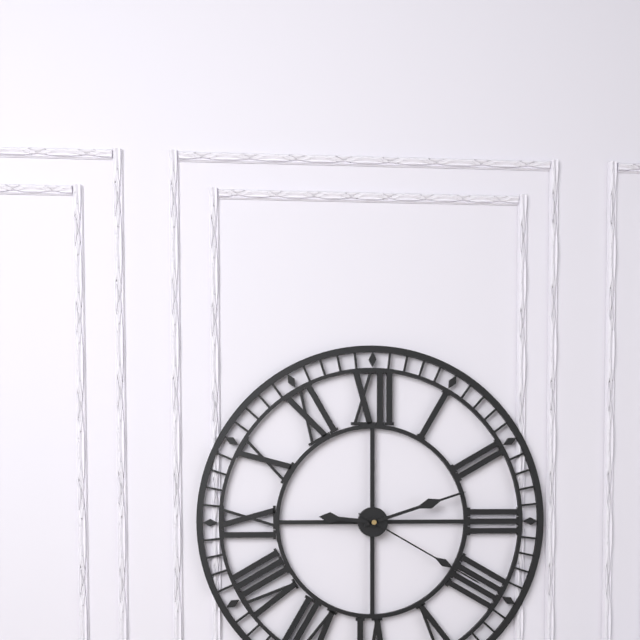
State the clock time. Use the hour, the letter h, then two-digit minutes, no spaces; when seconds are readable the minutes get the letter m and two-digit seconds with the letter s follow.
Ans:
9h12m20s
